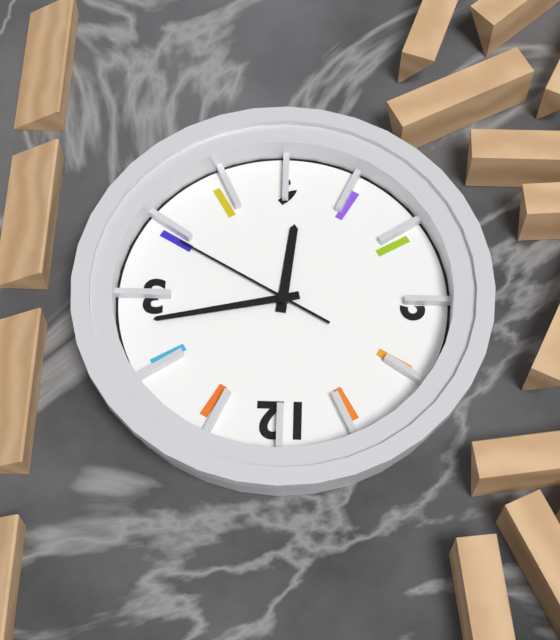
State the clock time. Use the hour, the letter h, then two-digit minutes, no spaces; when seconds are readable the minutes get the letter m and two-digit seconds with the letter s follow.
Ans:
6h13m20s
